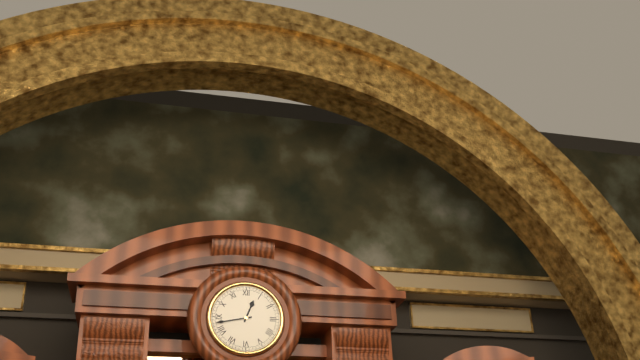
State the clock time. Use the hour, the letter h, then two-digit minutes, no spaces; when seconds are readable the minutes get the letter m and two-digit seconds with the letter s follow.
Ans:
12h43
